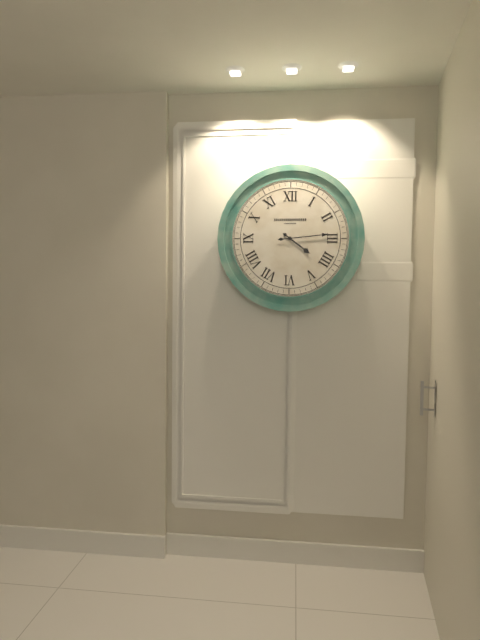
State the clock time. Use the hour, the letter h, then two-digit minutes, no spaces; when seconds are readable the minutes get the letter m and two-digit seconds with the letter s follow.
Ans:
4h14
